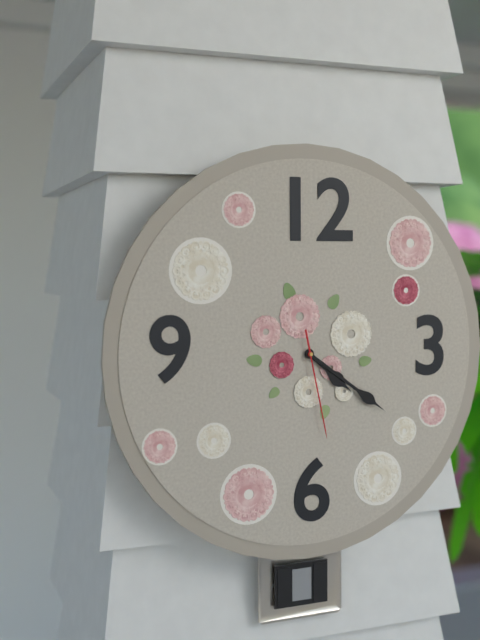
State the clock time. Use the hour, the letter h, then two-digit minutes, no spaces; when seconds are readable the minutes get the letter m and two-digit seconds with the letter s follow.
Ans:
4h21m28s
